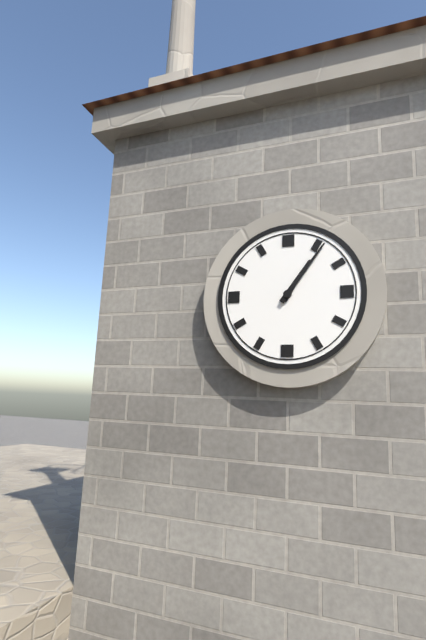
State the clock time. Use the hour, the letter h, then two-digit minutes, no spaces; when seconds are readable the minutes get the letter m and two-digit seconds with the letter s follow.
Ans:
1h06
